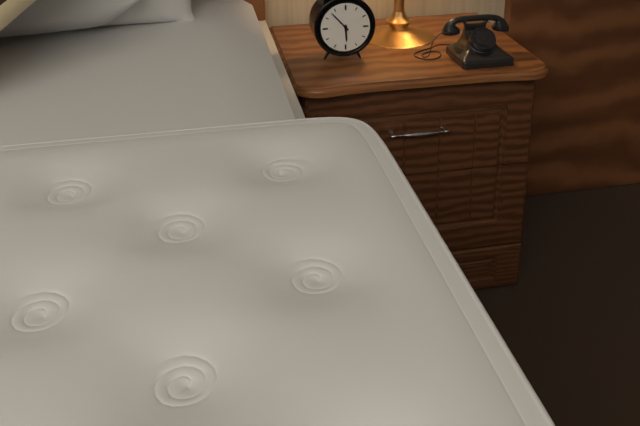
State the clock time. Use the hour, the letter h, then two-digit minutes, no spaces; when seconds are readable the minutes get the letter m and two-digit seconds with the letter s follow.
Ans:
5h53
